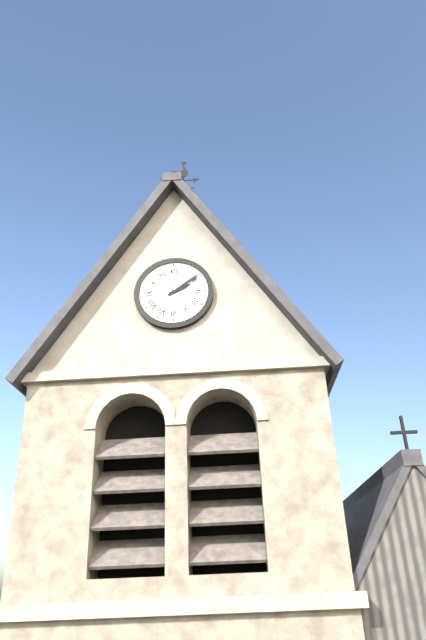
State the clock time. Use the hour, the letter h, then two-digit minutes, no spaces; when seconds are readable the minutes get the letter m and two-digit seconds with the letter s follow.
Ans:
2h09
